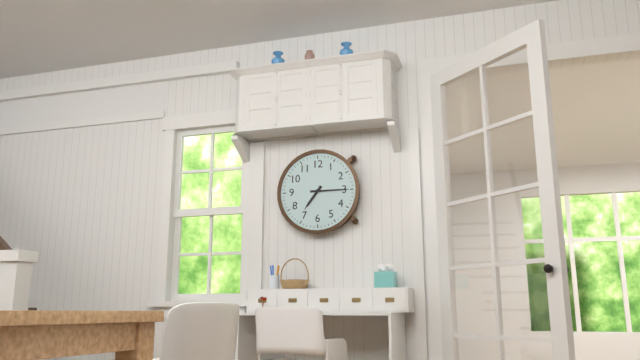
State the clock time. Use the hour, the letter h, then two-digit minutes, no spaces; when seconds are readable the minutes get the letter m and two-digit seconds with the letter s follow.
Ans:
7h15
